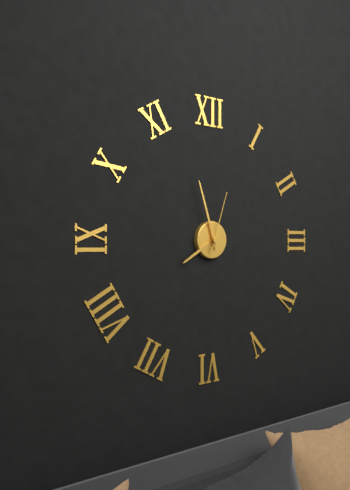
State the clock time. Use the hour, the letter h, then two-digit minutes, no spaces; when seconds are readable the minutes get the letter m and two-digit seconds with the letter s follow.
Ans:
7h57m03s
